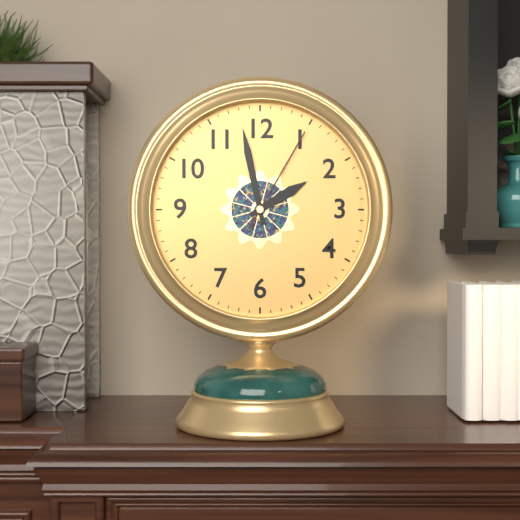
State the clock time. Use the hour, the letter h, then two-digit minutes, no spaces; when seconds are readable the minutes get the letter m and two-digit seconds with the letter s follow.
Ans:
1h58m05s
